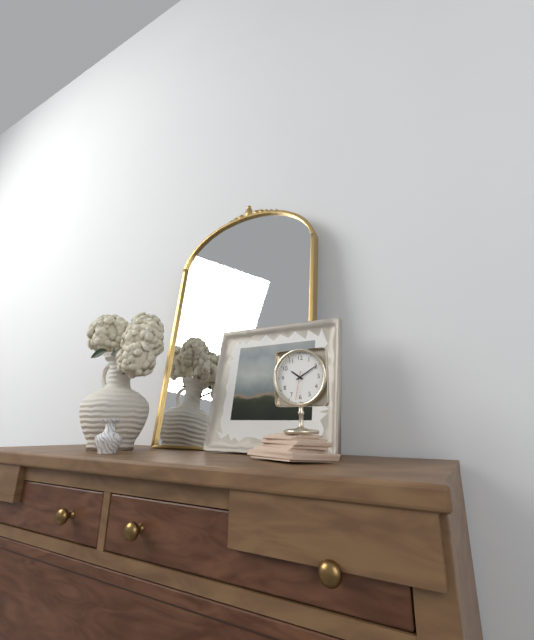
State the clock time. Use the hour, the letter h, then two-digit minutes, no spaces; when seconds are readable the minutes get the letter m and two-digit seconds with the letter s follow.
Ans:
10h10
